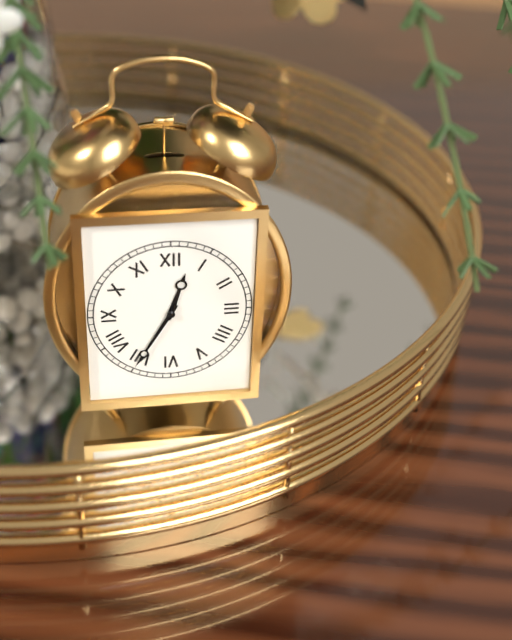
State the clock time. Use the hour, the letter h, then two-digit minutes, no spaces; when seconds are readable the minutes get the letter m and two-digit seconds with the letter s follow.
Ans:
12h35
